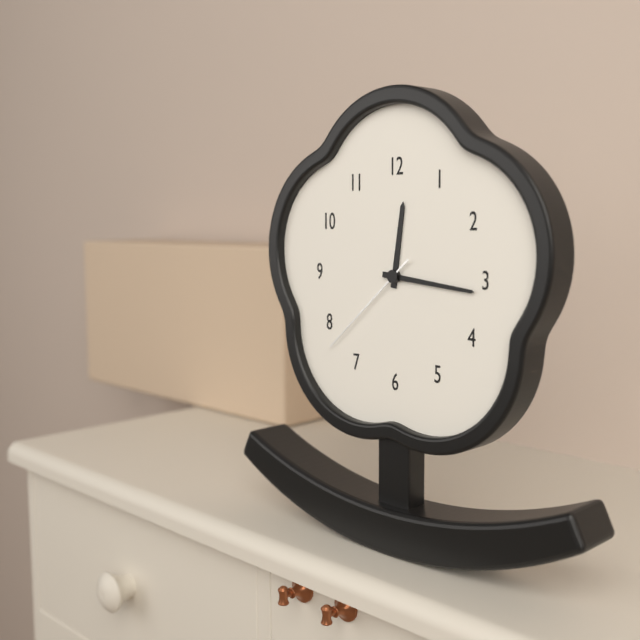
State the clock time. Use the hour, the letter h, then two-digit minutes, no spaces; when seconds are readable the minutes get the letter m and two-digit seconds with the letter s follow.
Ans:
12h16m38s
